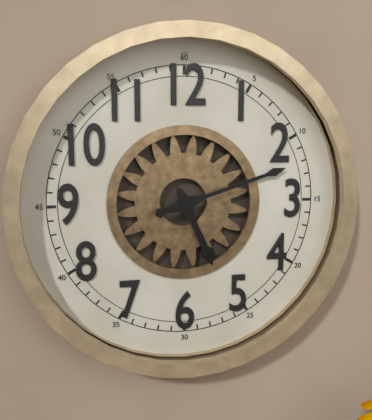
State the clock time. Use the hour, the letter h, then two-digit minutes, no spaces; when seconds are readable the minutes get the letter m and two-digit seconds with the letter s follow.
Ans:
5h12
